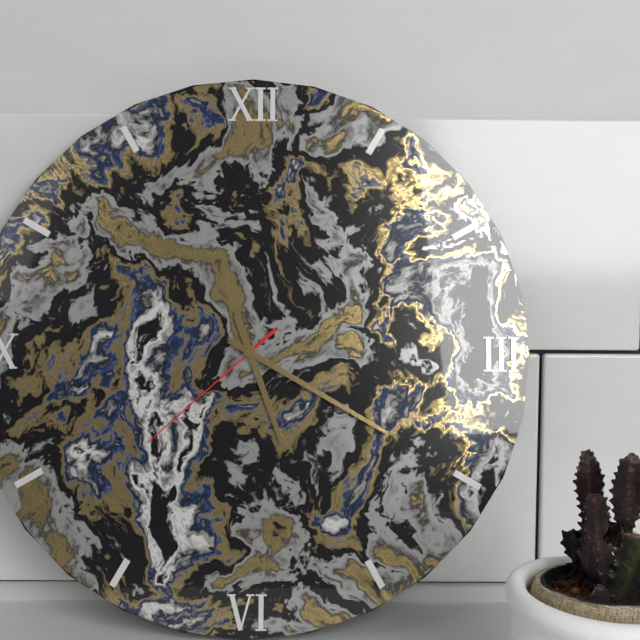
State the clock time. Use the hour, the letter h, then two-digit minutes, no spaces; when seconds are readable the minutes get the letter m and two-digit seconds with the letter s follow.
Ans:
5h20m38s
